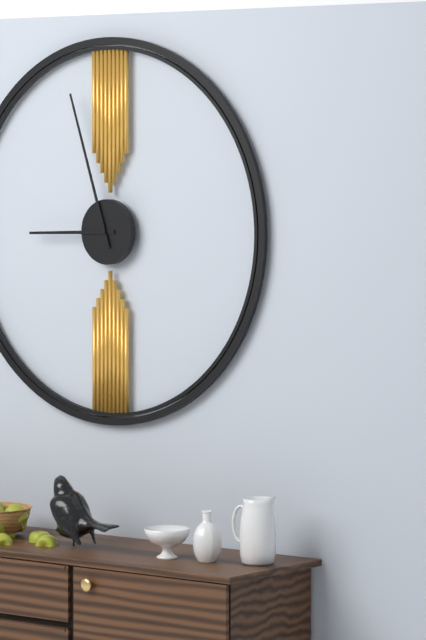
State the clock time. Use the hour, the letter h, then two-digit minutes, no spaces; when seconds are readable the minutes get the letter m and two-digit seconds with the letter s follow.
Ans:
8h57
